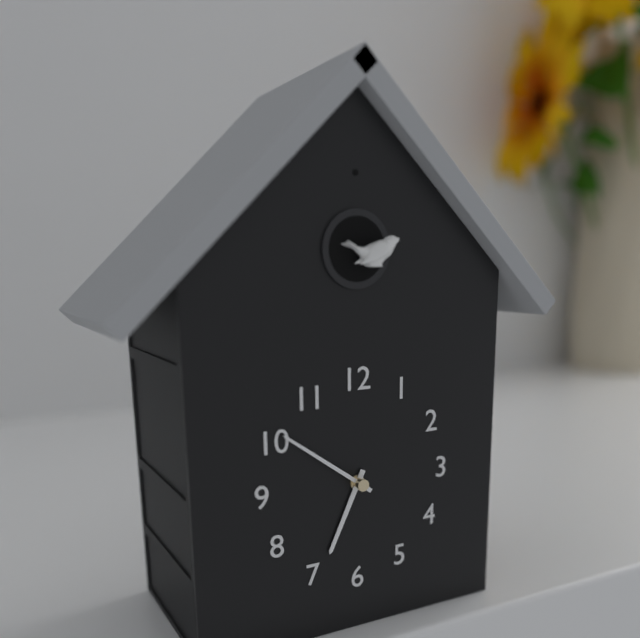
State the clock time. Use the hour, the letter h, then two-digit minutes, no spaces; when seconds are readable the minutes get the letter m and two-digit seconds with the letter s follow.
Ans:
6h51
